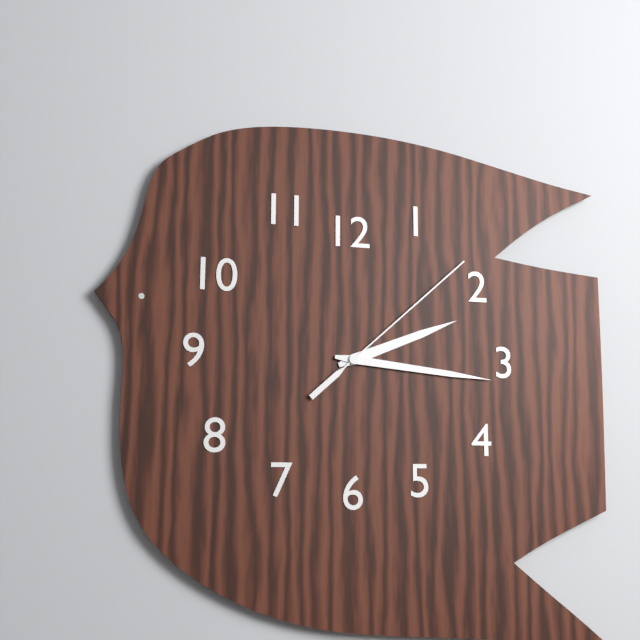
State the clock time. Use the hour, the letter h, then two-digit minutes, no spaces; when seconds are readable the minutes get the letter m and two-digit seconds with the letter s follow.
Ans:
2h16m08s
